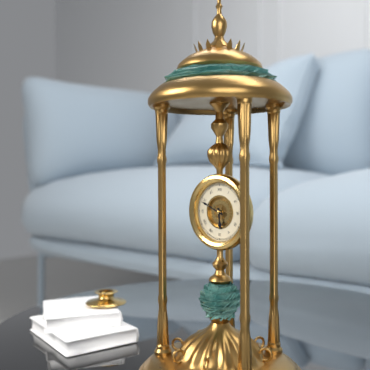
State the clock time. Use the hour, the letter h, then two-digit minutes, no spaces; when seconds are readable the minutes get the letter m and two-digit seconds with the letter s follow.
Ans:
5h49
